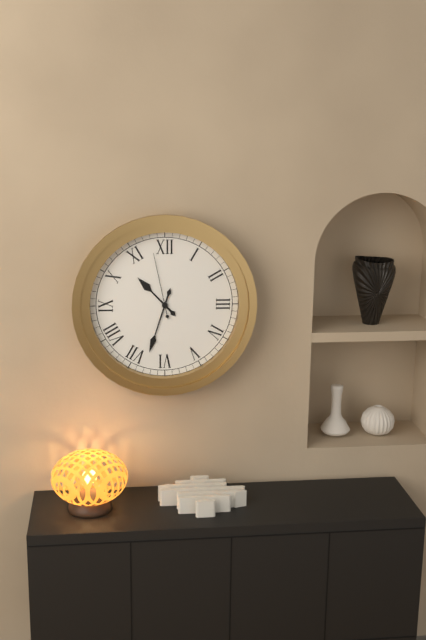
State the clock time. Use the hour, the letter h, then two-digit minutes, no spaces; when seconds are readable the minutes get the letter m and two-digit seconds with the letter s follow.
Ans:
10h33m58s
